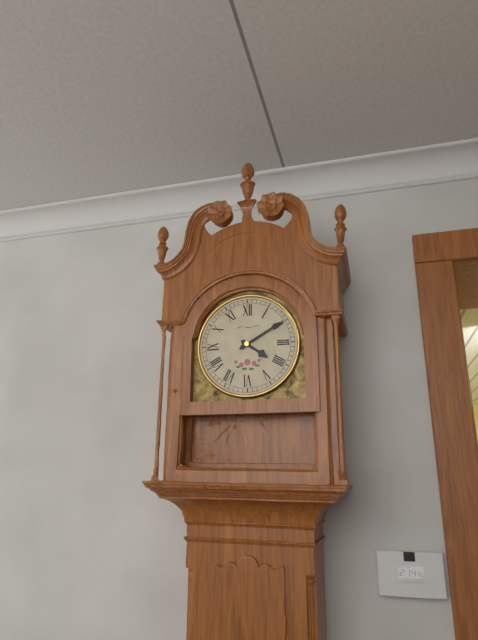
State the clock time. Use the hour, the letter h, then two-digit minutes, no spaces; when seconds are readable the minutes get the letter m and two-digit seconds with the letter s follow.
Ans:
4h10
